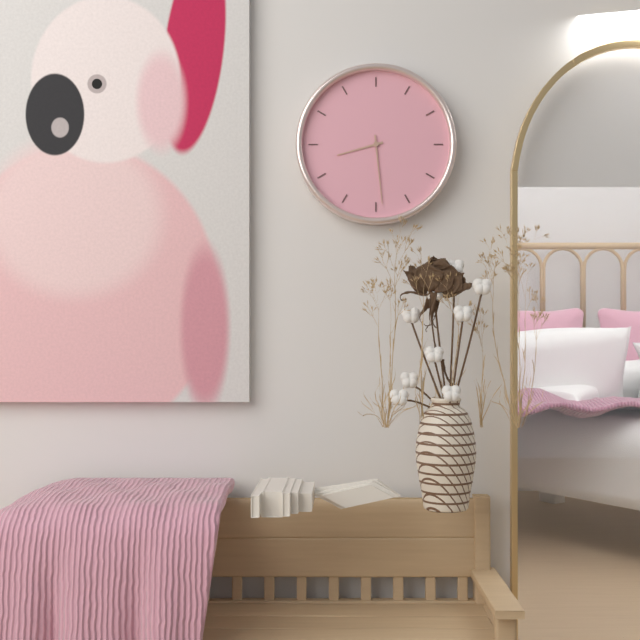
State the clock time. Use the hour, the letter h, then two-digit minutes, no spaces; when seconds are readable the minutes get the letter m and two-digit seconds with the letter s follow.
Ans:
8h29
